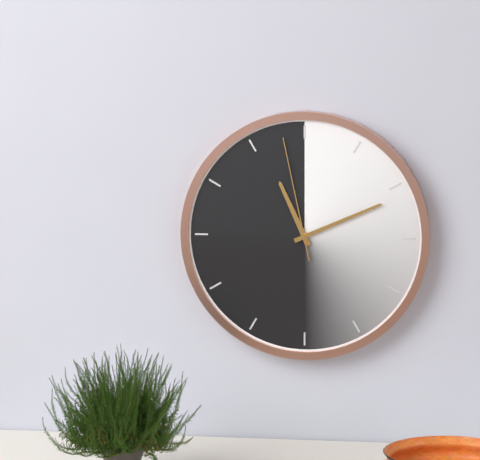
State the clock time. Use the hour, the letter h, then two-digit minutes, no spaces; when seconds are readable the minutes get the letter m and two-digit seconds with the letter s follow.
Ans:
11h11m58s
